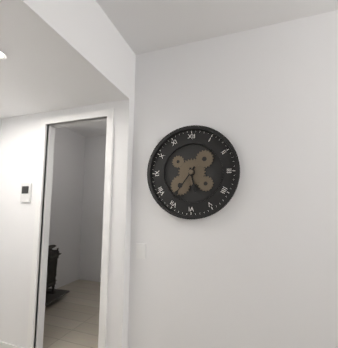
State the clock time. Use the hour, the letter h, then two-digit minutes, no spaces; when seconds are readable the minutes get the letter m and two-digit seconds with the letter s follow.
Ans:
5h36
